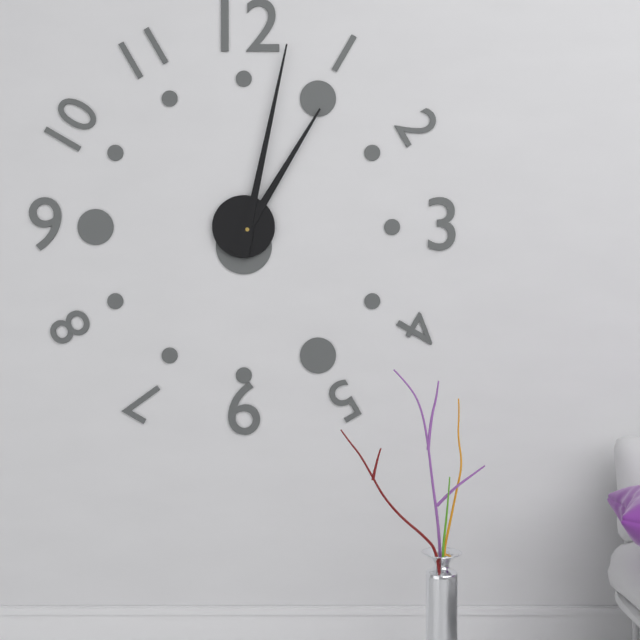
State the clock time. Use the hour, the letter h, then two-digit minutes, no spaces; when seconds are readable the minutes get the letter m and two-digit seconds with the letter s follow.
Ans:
1h02
